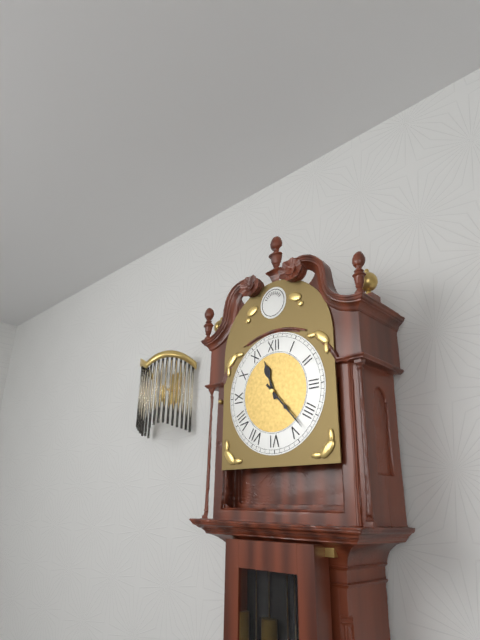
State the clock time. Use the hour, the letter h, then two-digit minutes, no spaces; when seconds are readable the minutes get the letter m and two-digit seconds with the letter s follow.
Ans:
11h23
